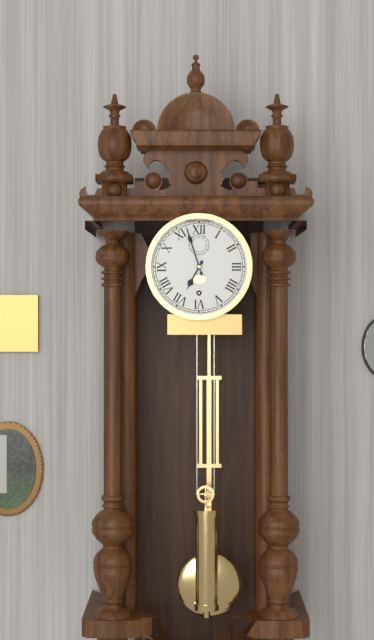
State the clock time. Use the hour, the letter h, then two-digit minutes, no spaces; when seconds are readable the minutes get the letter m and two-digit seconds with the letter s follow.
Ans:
6h57
